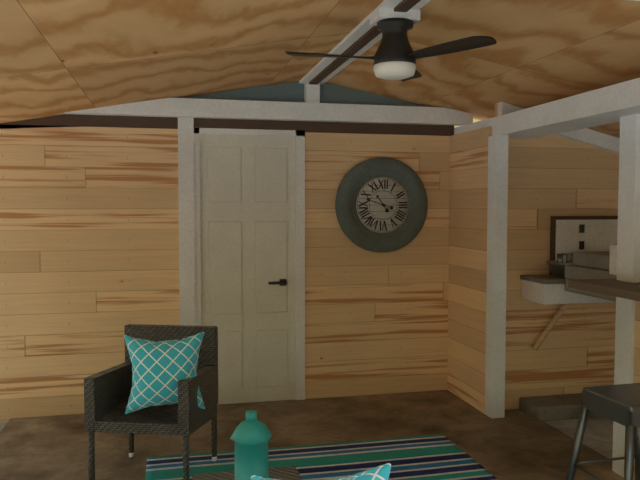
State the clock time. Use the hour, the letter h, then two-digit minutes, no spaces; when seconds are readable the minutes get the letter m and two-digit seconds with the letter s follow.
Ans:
10h48
